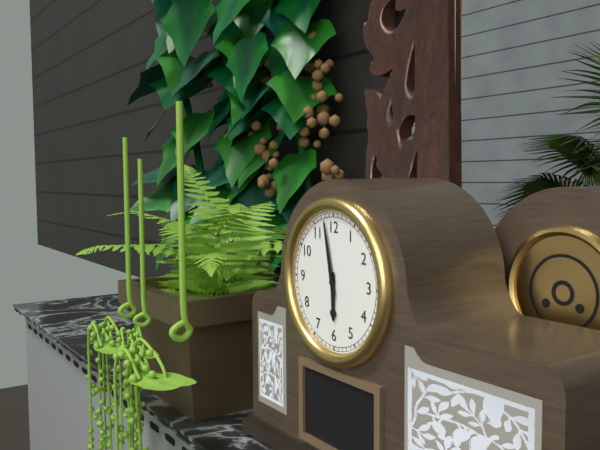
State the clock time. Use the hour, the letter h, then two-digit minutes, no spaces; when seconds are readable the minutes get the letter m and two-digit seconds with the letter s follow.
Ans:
5h58
